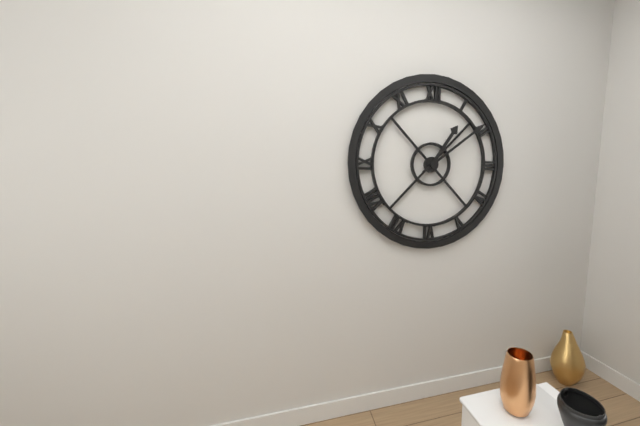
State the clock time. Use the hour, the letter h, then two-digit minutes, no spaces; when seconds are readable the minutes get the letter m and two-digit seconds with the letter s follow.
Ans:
1h09
